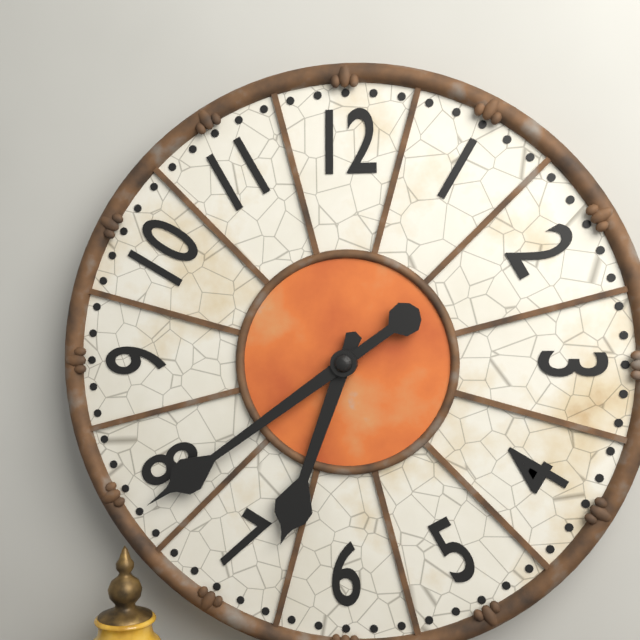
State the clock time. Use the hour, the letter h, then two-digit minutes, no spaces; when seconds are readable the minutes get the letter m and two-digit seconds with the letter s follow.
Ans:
6h39
